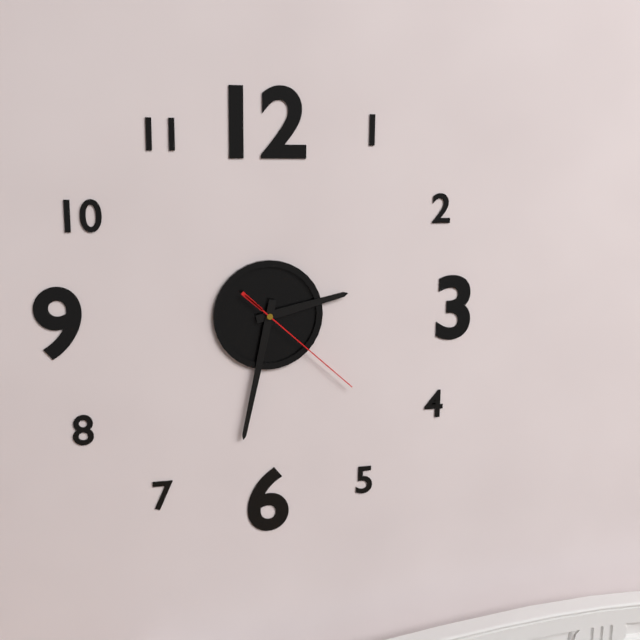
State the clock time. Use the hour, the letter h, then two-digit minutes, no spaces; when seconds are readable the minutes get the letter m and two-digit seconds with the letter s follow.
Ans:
2h32m22s
